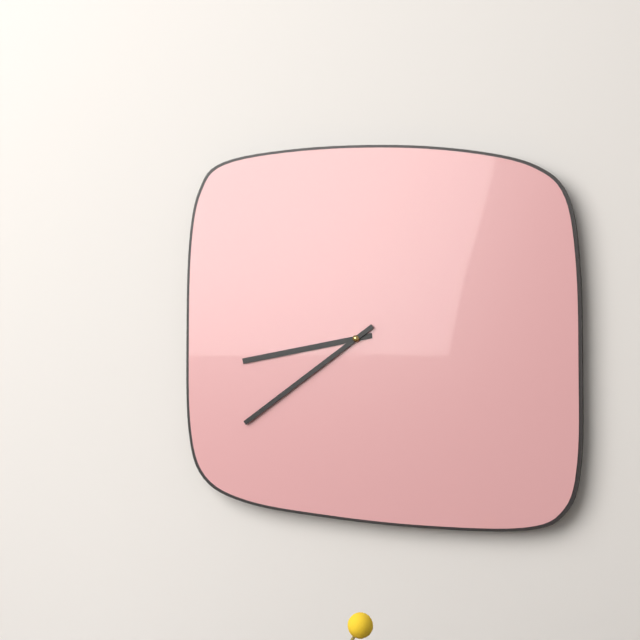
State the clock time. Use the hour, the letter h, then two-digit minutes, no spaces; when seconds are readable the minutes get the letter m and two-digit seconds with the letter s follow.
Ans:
8h39
